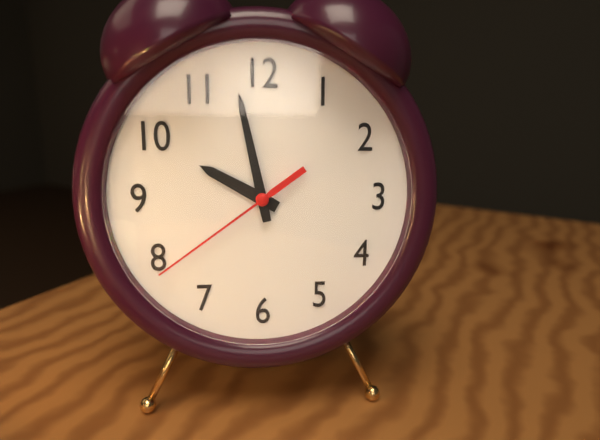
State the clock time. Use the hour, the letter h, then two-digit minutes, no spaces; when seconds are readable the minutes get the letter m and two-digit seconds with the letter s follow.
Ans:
9h58m39s
